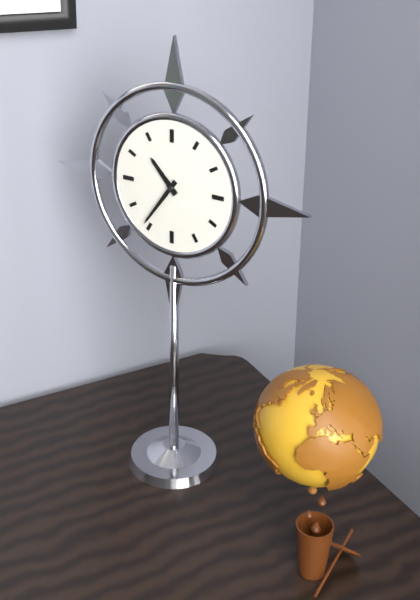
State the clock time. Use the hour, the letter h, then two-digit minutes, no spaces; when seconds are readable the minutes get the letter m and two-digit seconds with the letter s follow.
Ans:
10h36
